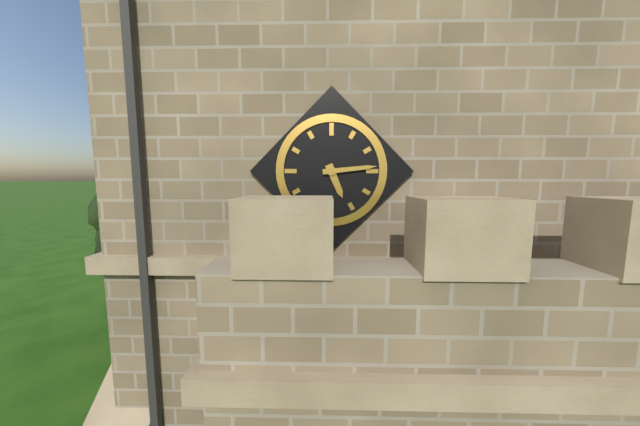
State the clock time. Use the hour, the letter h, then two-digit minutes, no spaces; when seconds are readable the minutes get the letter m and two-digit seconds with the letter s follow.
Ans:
5h14
